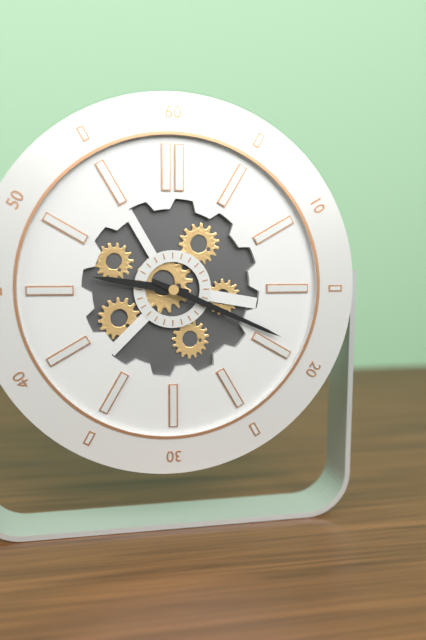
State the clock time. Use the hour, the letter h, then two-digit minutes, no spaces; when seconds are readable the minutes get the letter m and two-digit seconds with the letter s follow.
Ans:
9h19
